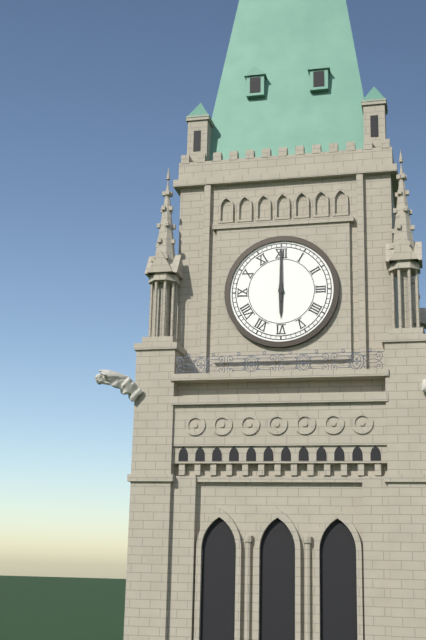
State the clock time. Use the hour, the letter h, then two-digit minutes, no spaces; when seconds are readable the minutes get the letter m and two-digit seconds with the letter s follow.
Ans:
6h00
